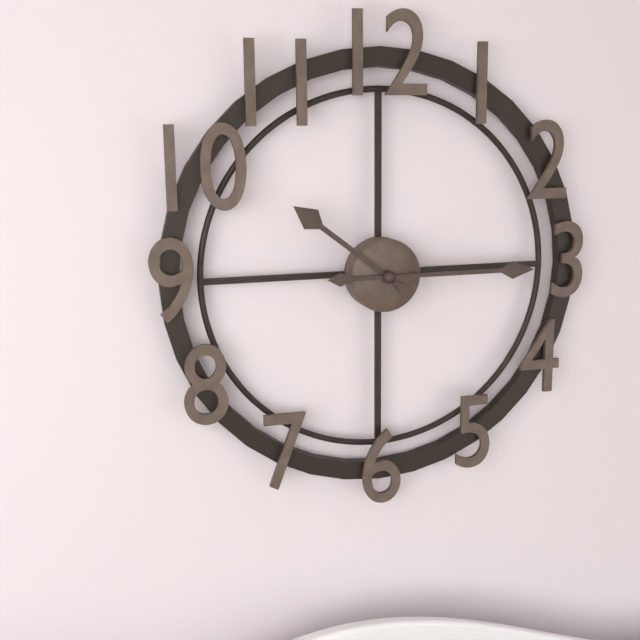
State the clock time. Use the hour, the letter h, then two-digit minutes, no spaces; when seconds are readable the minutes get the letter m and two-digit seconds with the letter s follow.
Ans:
10h15
